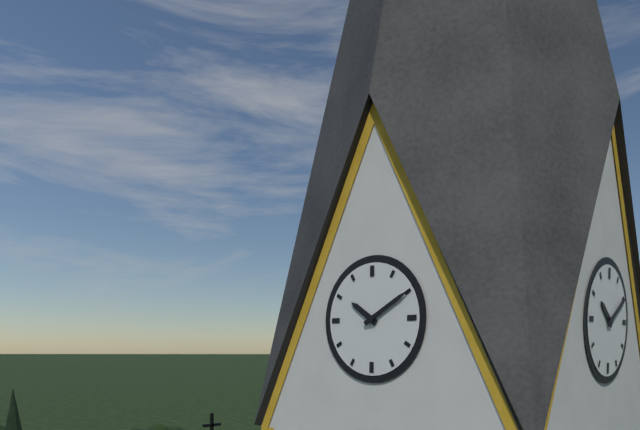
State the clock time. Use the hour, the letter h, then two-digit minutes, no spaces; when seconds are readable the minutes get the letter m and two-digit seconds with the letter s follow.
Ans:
10h10
